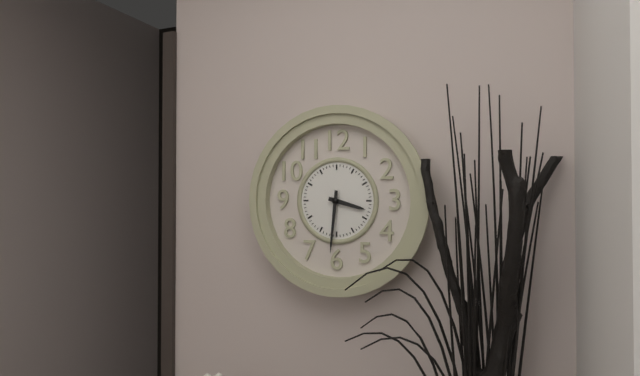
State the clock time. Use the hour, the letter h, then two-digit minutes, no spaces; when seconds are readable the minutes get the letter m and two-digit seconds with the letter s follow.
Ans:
3h31
